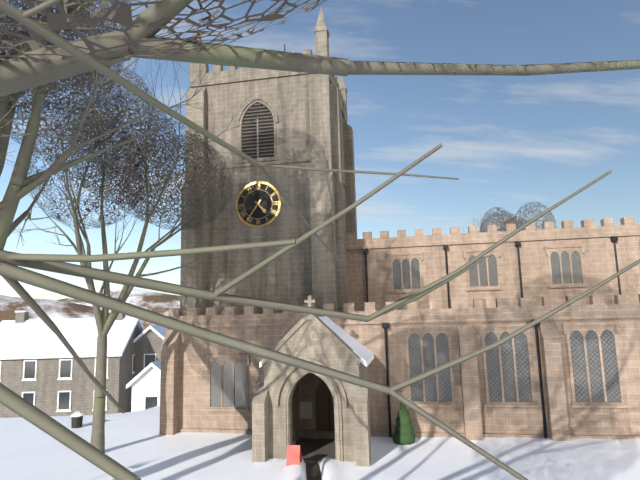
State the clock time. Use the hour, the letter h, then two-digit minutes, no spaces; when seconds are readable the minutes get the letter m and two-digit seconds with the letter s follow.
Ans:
4h36
